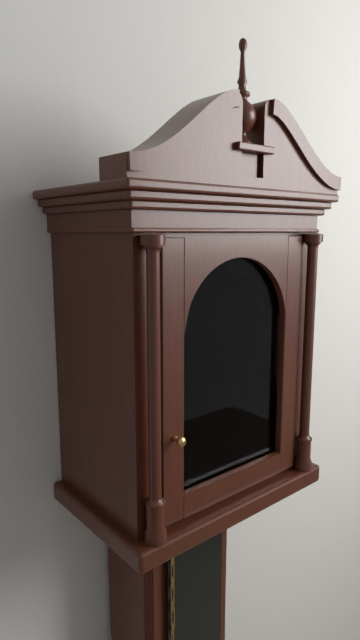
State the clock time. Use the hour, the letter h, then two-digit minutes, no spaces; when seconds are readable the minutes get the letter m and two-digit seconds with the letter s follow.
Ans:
4h04
